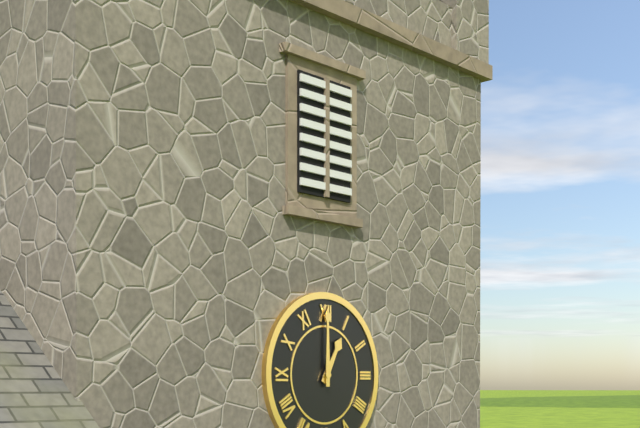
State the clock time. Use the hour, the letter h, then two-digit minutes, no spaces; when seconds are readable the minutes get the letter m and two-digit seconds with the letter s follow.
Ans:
1h00
